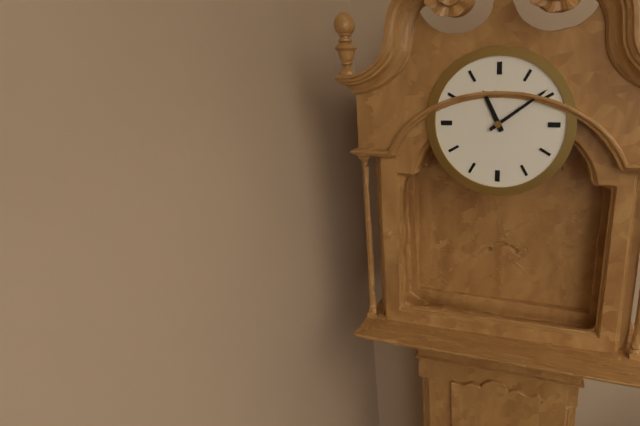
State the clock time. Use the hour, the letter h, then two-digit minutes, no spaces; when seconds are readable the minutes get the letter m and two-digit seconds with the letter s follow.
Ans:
11h09
